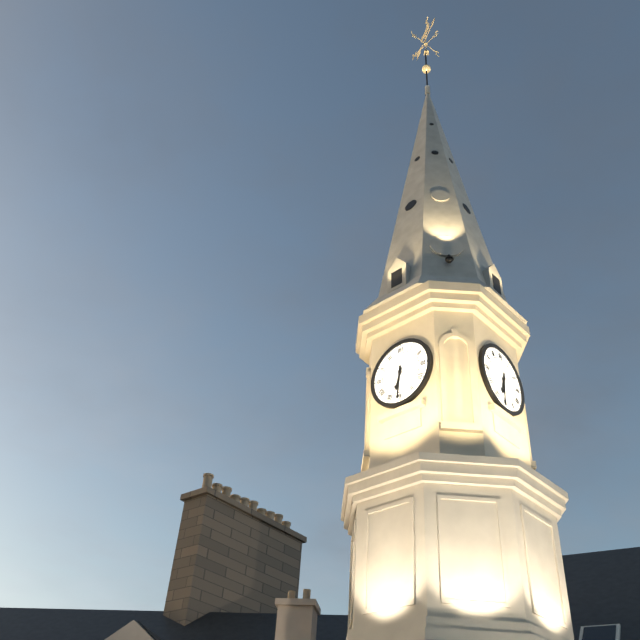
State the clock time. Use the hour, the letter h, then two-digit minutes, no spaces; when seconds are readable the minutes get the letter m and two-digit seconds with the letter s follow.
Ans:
6h31
